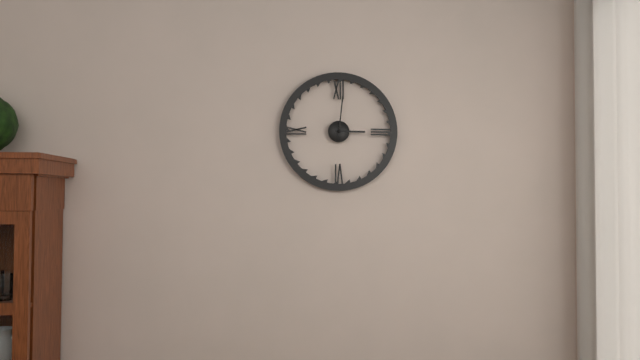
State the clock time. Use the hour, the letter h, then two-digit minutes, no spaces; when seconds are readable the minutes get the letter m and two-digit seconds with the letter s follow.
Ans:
3h01
